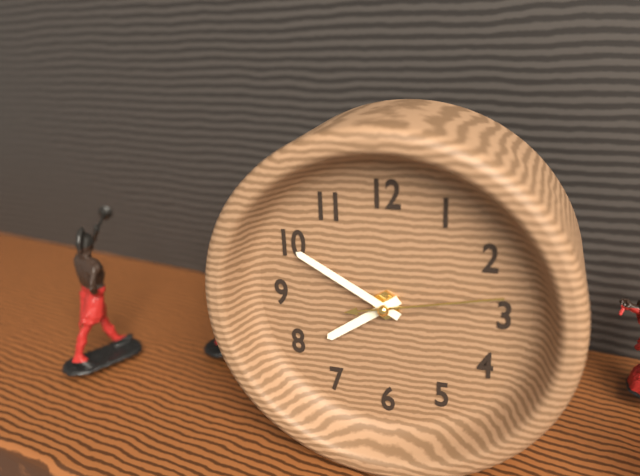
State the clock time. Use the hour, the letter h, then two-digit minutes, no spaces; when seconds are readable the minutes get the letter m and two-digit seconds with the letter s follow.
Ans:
7h50m13s
